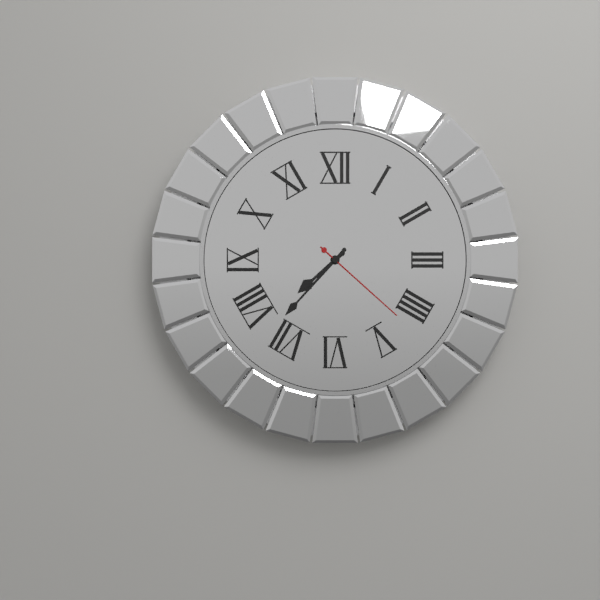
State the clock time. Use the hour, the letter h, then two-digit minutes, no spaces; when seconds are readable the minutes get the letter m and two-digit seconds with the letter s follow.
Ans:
7h37m22s
